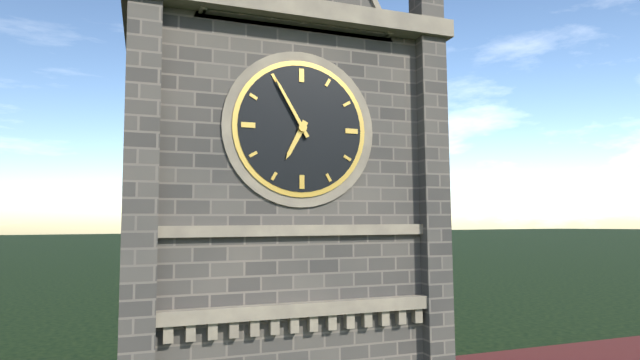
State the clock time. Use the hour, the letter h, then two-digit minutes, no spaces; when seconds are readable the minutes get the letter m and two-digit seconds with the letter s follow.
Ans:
6h55
